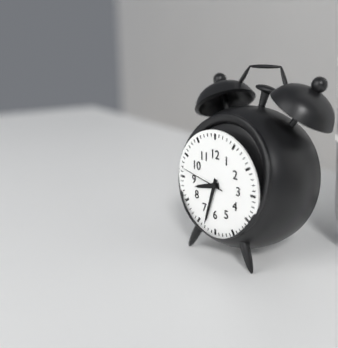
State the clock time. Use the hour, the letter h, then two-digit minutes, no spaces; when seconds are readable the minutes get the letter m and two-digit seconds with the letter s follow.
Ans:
8h33
